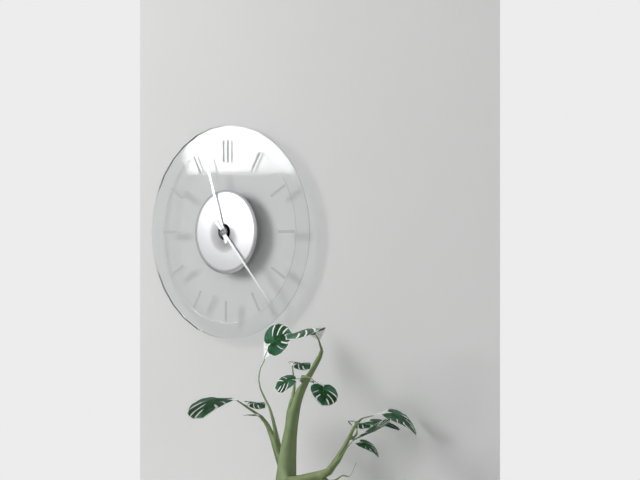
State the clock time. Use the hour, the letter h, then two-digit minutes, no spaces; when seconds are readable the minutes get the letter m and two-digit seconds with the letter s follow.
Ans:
11h23
